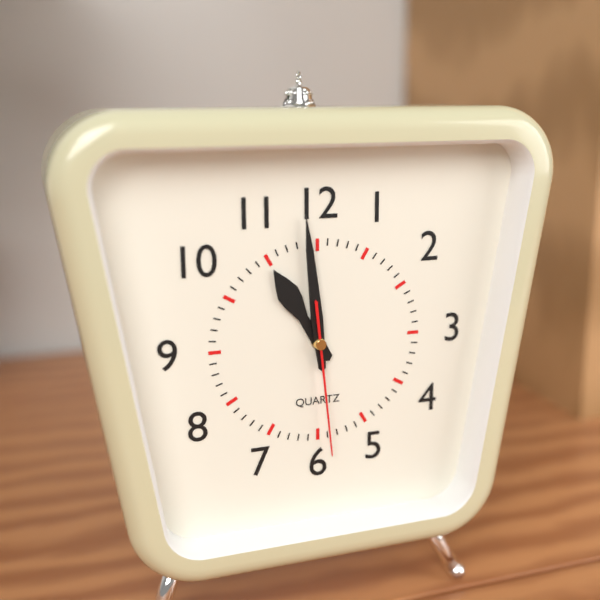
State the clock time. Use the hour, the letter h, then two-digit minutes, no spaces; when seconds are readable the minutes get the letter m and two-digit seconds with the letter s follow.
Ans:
10h59m29s
